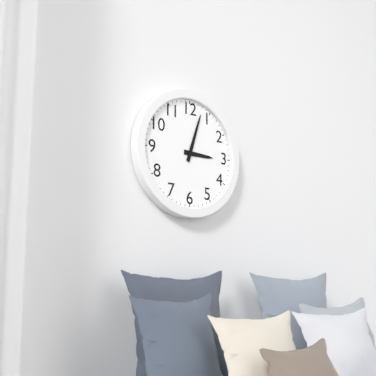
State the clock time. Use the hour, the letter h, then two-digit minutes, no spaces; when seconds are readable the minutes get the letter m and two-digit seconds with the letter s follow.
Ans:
3h03
